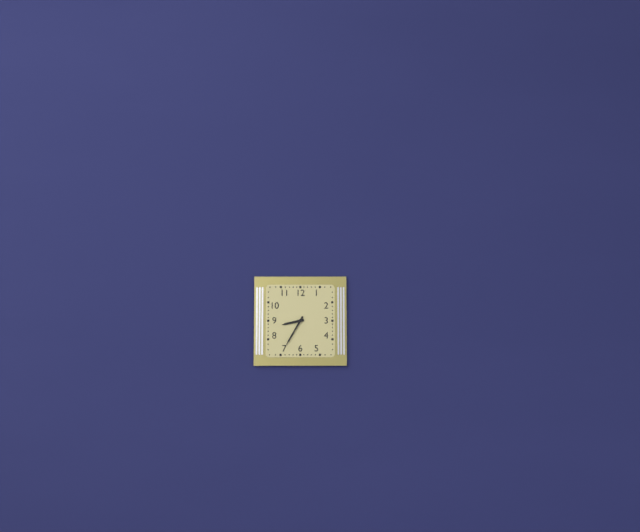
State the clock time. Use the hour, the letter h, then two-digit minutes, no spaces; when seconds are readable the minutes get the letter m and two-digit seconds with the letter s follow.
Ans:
8h35
